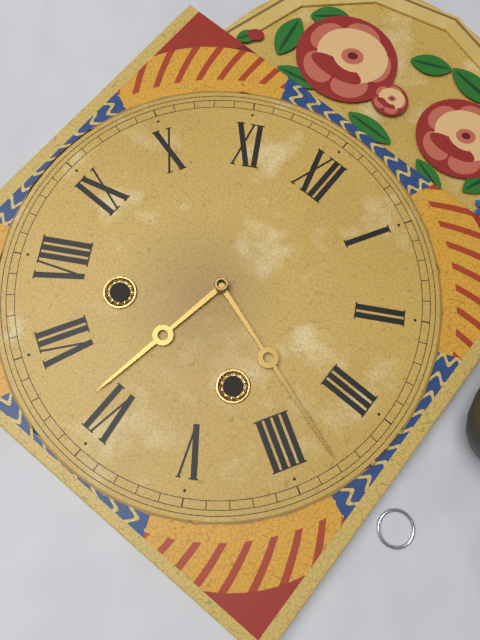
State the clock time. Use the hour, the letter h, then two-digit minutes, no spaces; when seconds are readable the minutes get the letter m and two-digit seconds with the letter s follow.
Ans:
6h18
